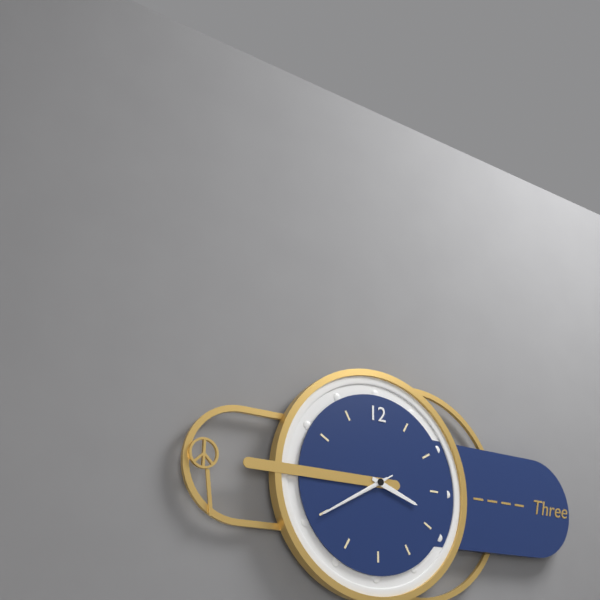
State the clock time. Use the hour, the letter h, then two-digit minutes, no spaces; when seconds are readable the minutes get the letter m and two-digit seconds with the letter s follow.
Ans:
3h40m40s
